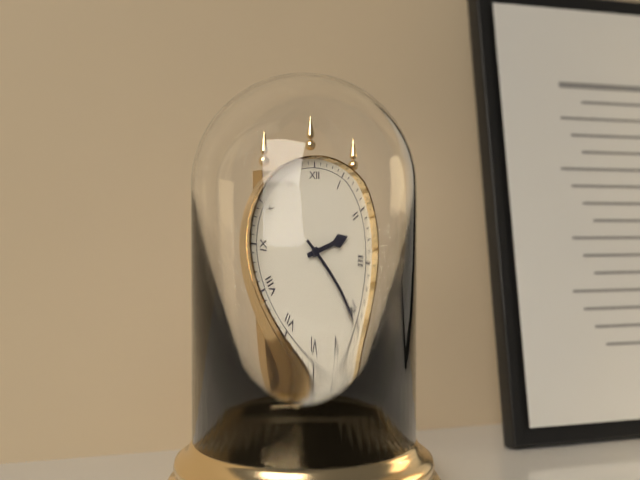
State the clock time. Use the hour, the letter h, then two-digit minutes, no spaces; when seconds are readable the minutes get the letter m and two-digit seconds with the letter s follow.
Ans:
2h21
